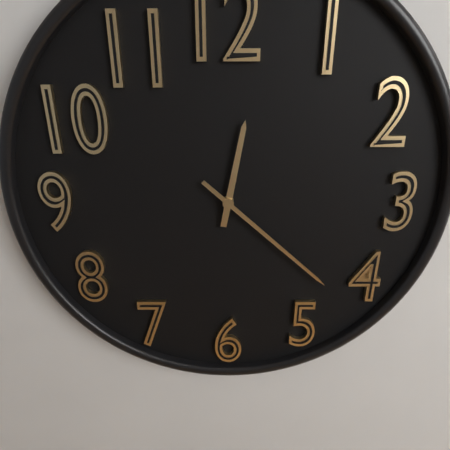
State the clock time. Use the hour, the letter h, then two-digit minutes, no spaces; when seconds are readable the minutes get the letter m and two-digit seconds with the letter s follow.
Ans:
12h22
